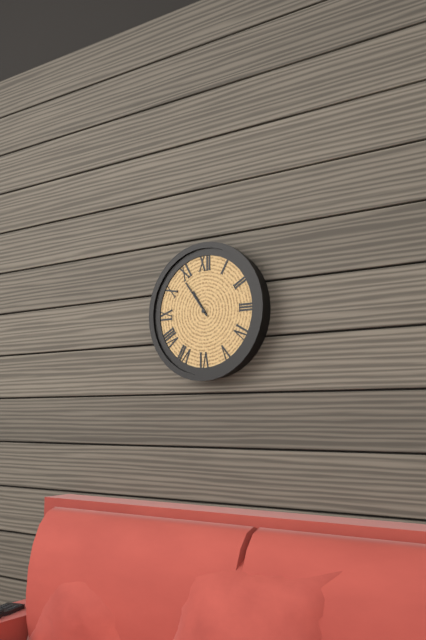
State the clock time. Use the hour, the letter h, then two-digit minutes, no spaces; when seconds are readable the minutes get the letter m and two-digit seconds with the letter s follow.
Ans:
10h54
